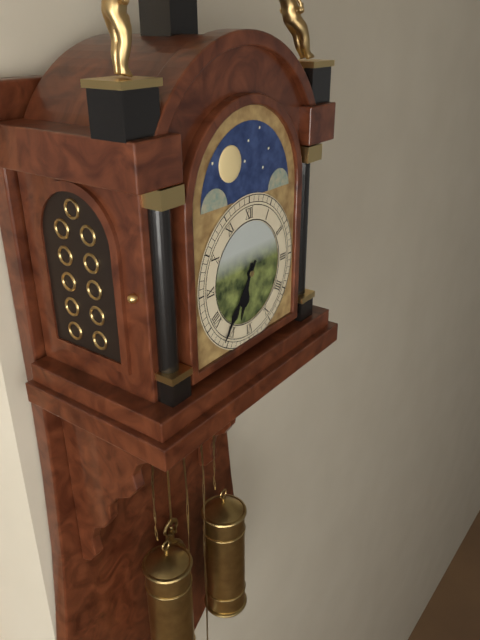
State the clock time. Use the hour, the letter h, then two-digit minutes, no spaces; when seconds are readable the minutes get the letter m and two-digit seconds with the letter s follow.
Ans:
6h36
